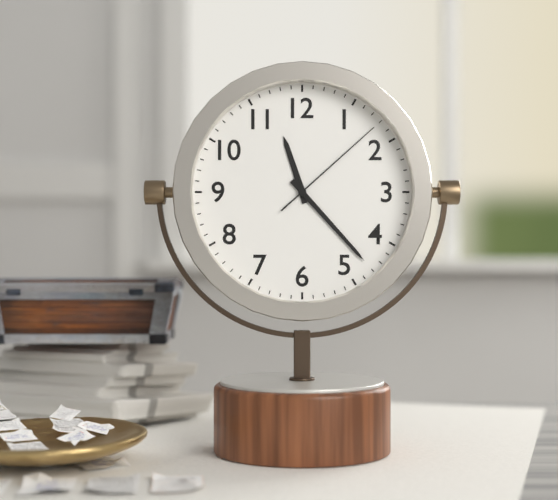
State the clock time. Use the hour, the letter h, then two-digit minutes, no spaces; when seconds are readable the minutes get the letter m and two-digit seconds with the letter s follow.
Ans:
11h23m08s
